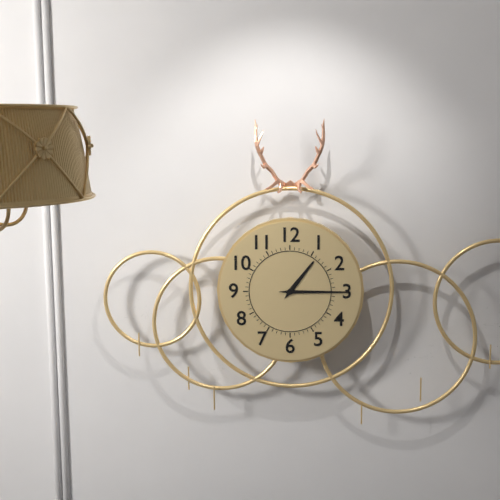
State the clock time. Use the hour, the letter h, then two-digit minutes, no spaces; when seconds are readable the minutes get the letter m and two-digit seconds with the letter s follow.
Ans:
1h15
